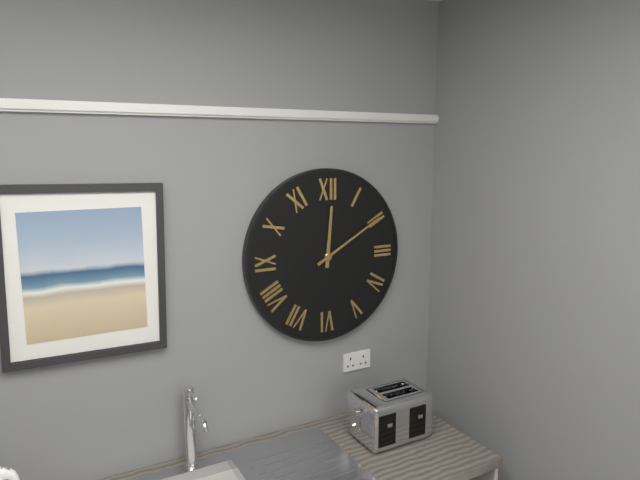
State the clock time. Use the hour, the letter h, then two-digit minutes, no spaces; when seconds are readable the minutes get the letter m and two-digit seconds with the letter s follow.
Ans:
12h10
